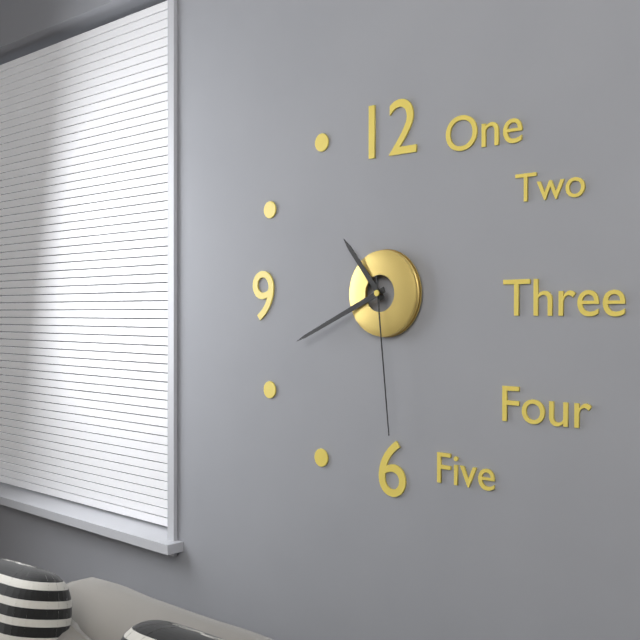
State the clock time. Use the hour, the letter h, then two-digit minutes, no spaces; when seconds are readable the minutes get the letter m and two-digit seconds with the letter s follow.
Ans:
10h41m29s
